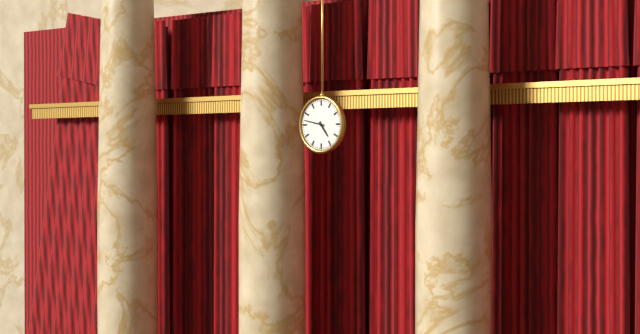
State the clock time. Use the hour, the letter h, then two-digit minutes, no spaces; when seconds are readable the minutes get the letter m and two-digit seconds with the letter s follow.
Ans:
4h47
